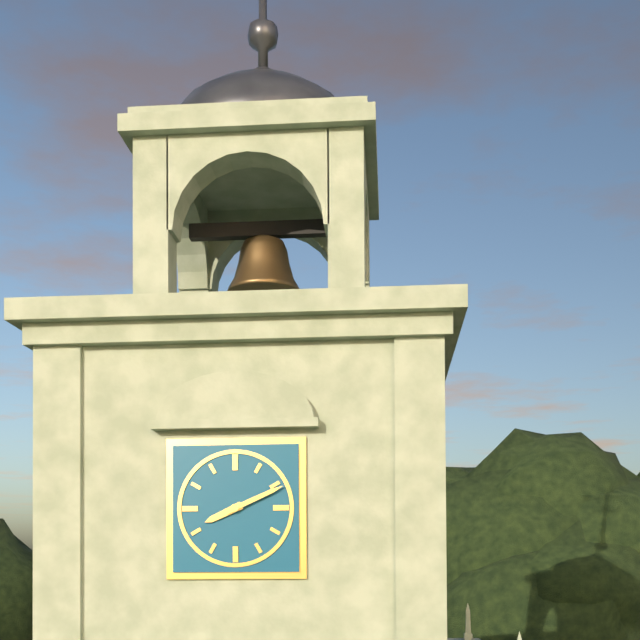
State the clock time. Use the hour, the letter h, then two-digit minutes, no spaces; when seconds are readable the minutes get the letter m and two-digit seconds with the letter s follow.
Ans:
8h11
